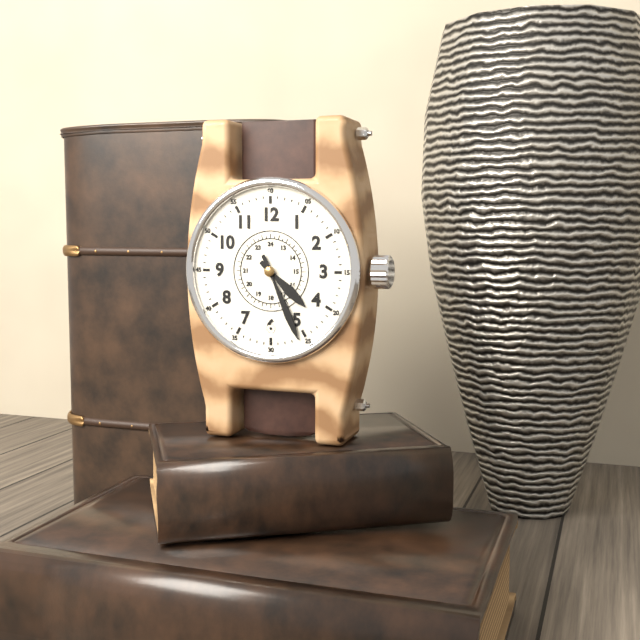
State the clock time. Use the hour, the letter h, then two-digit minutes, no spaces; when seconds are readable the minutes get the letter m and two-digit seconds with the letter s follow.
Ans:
4h26
